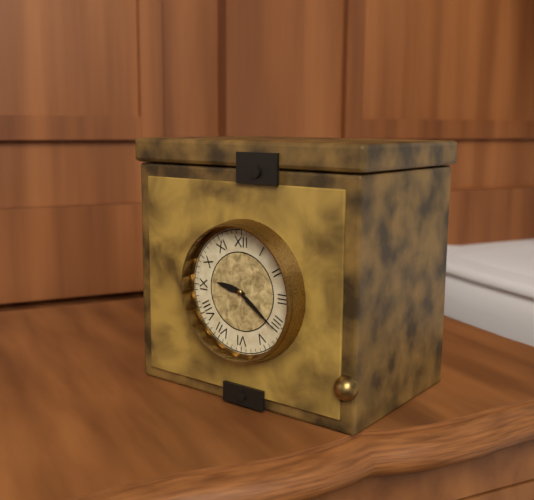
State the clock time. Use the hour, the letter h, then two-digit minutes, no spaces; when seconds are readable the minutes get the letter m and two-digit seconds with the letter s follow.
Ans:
9h21
